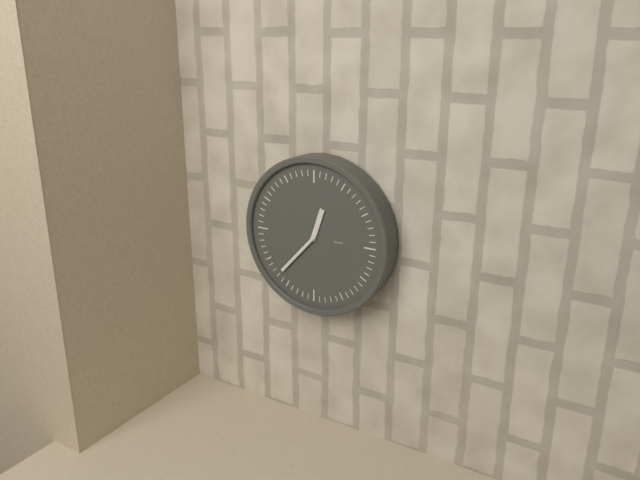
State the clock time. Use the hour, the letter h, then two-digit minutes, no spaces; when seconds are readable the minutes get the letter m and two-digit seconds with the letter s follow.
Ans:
12h37
